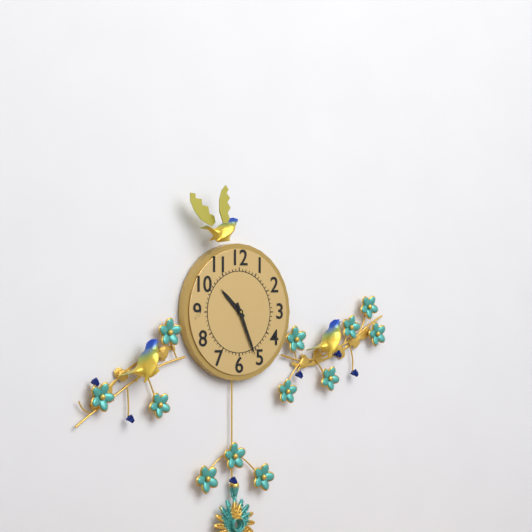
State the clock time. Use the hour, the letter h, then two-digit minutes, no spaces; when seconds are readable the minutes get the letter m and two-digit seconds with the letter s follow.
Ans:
10h26
